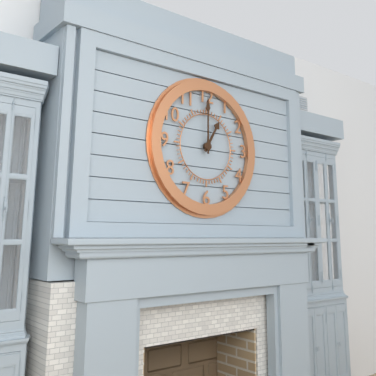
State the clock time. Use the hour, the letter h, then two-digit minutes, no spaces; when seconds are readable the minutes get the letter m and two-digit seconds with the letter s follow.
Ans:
1h00
